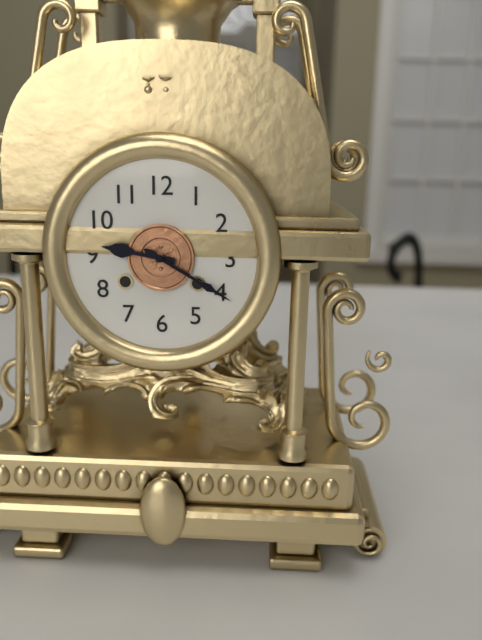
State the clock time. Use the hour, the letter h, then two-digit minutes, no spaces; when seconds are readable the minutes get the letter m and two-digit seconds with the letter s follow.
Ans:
9h20
